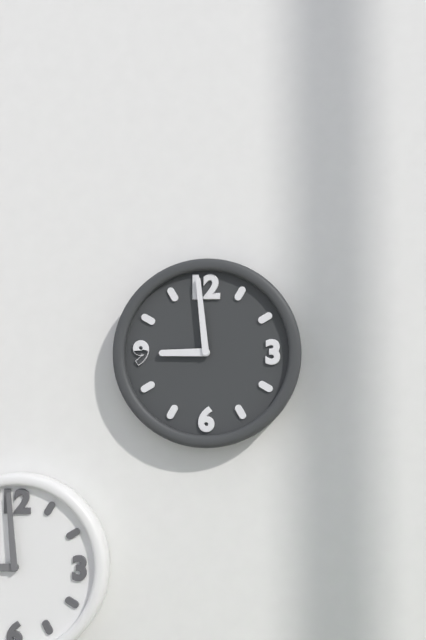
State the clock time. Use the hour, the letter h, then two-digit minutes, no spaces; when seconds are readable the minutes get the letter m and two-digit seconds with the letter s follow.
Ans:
8h59
